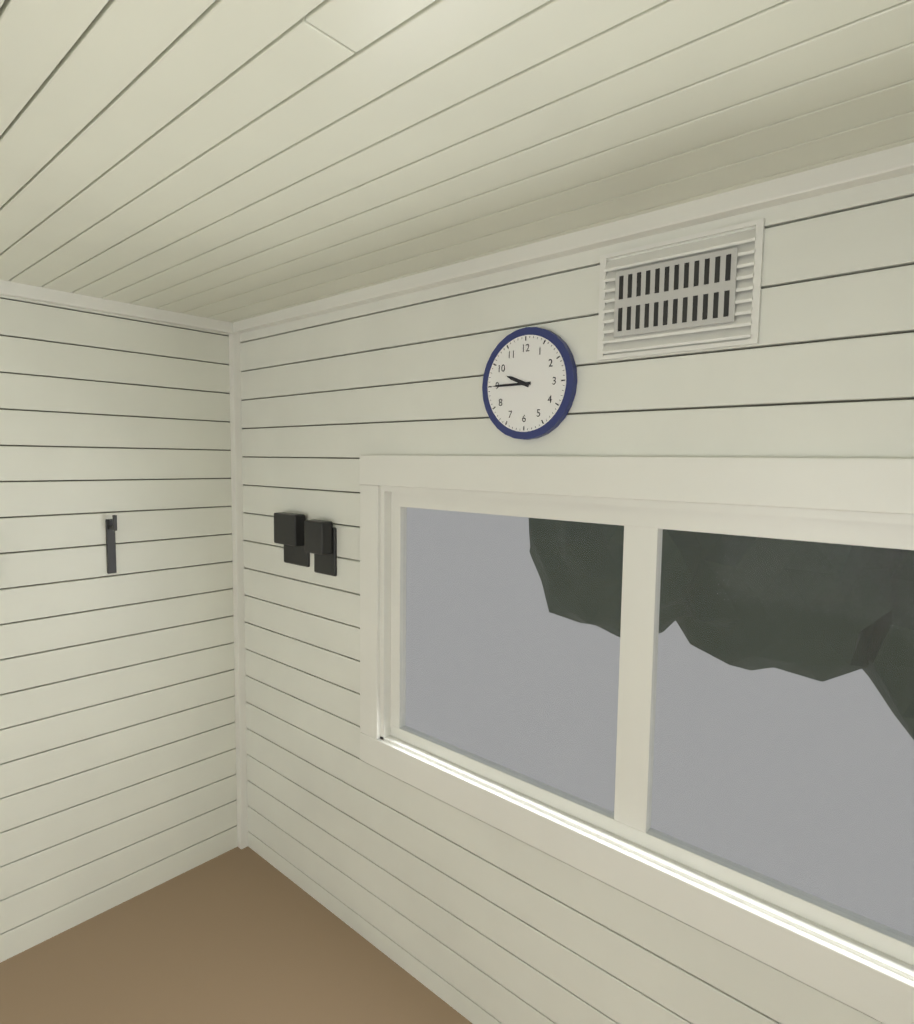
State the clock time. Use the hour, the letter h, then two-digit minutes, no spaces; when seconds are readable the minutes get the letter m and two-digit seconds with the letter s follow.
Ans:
9h45
